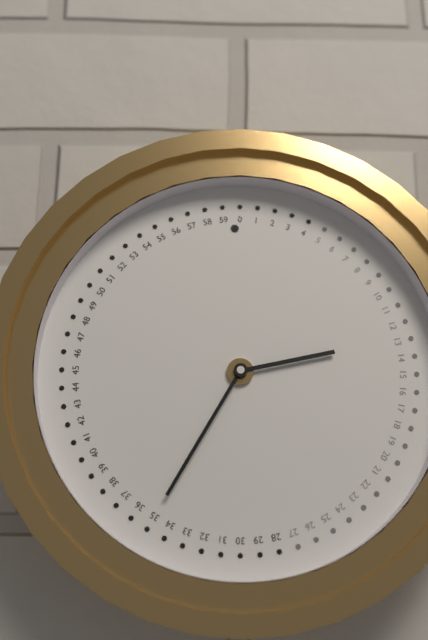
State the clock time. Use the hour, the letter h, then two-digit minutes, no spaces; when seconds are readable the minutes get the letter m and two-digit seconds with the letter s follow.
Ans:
2h35
